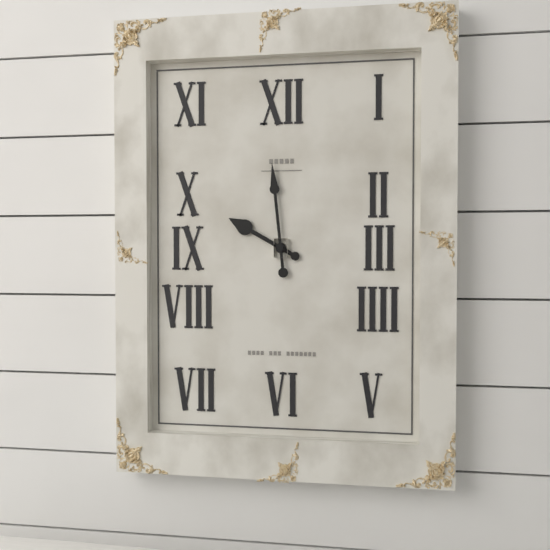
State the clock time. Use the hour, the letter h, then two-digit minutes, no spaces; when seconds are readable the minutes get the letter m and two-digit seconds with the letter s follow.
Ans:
9h59
